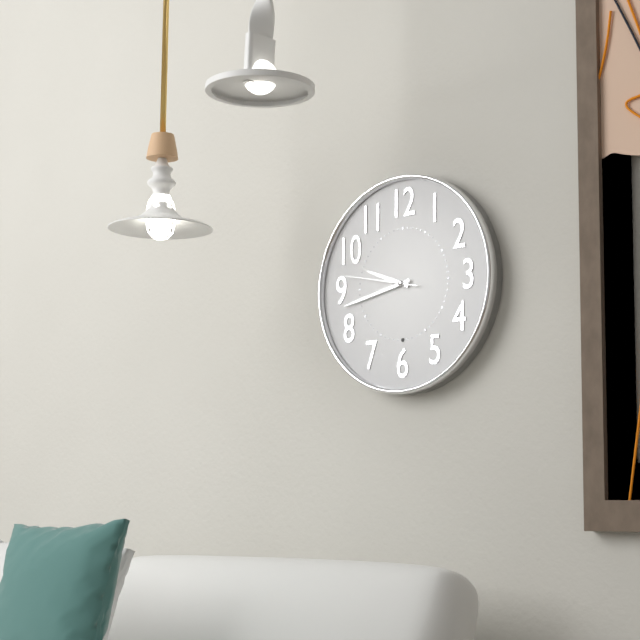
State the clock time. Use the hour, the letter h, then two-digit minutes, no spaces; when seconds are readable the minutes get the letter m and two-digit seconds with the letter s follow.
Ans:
9h43m47s
